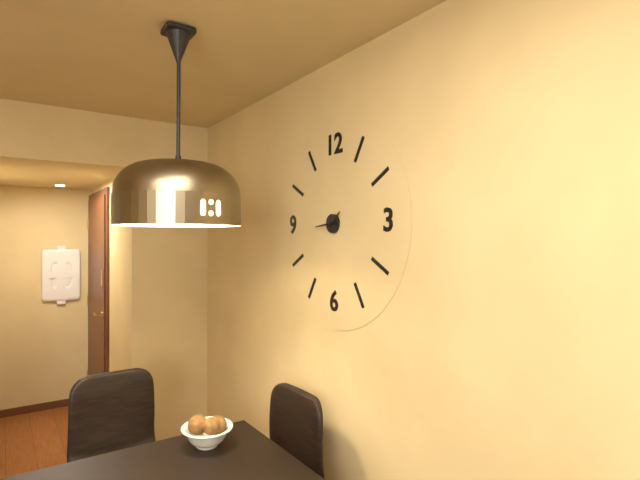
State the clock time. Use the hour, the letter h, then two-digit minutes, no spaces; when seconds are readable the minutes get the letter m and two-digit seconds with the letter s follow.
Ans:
1h44
